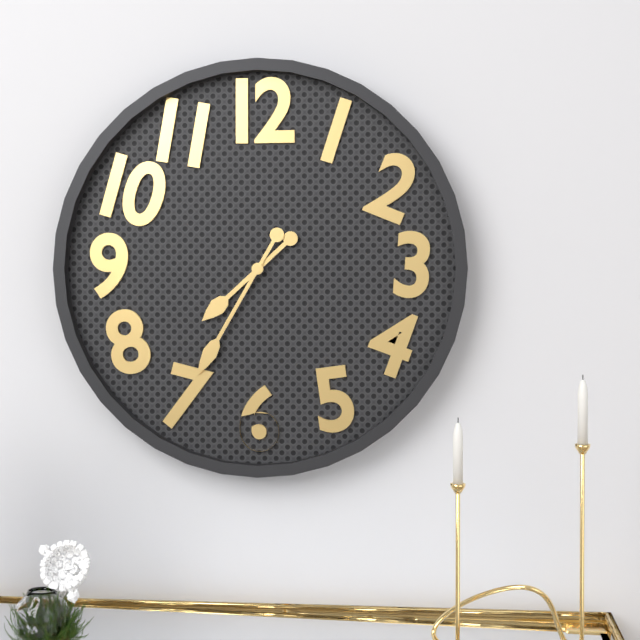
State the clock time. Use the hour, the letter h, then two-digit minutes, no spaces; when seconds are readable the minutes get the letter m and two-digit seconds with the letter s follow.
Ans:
7h35
